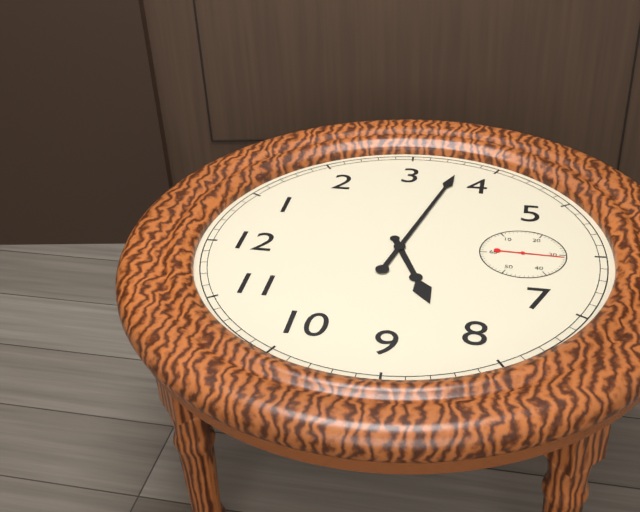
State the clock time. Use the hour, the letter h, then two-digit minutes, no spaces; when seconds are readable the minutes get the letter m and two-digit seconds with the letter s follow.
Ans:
8h18m31s
